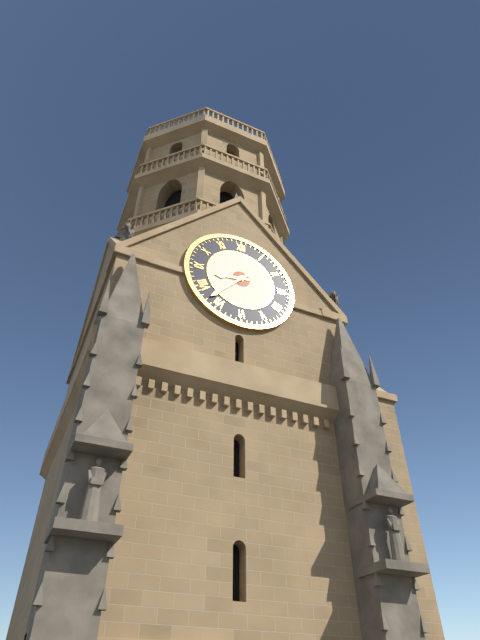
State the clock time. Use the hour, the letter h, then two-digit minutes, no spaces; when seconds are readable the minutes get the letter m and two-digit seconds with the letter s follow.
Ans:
8h37
